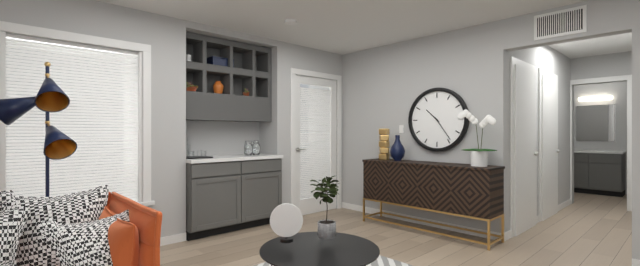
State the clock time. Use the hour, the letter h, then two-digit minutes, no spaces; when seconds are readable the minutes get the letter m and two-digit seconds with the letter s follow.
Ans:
10h24
